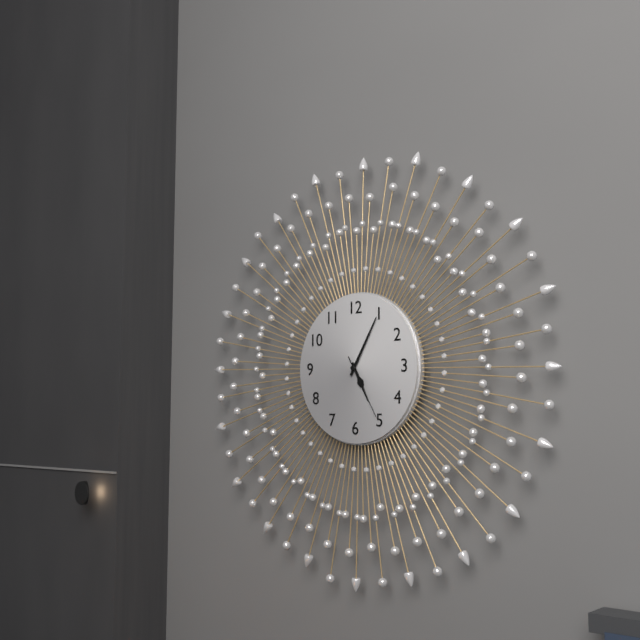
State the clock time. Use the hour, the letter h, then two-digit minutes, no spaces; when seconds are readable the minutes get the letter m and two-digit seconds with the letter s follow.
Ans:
5h05m25s
